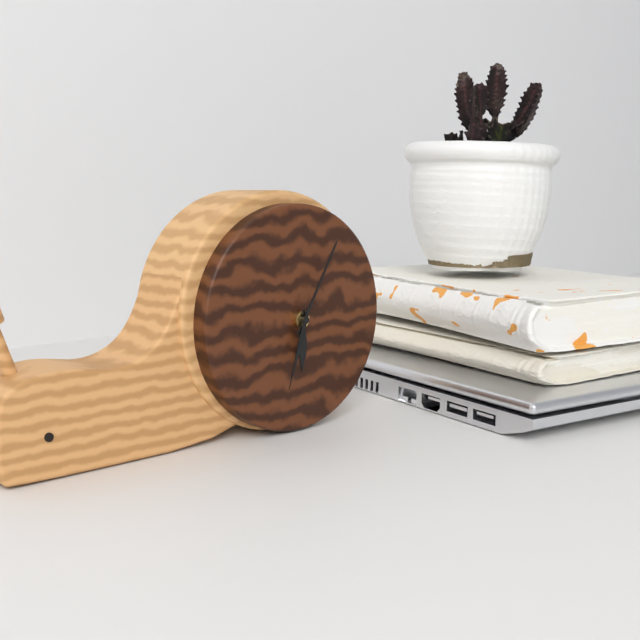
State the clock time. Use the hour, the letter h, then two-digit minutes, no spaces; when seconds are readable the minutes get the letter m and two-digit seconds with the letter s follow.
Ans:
6h05m33s
